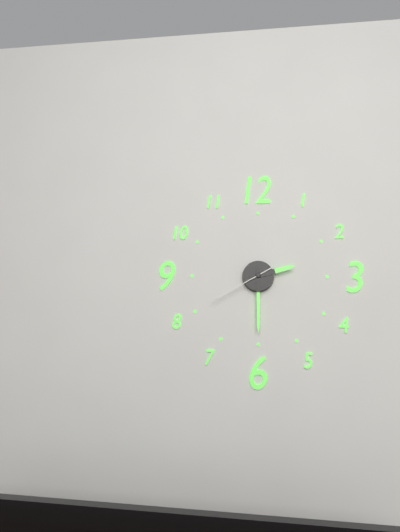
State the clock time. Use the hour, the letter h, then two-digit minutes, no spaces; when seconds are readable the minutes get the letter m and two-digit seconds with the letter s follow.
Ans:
2h30m40s
